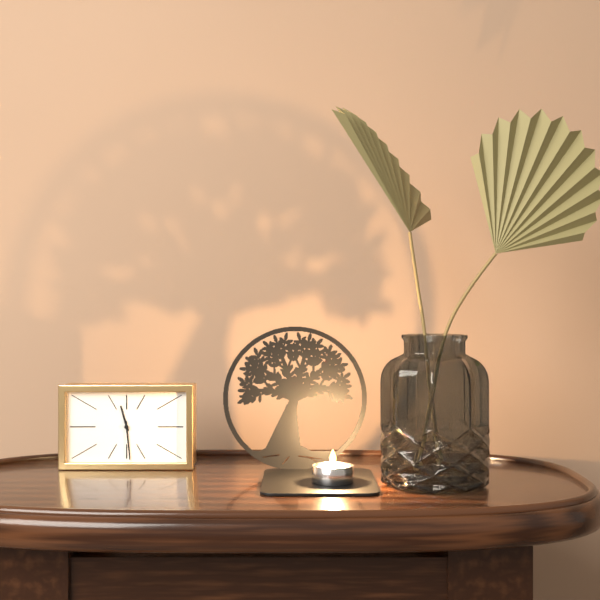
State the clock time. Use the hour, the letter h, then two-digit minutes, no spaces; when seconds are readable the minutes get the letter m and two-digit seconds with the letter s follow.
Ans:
11h29
